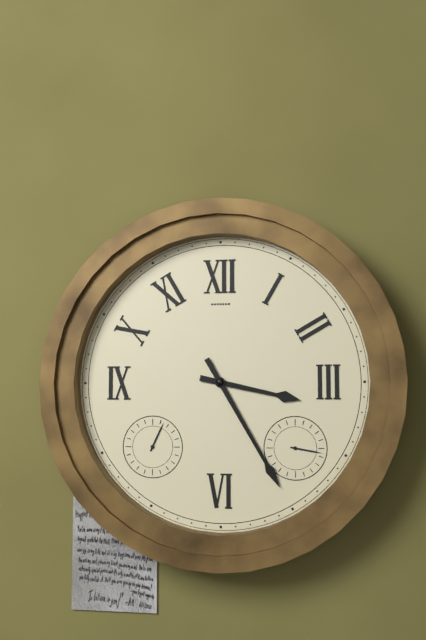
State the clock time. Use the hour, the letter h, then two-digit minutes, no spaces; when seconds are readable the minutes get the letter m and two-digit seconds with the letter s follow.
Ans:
3h25
